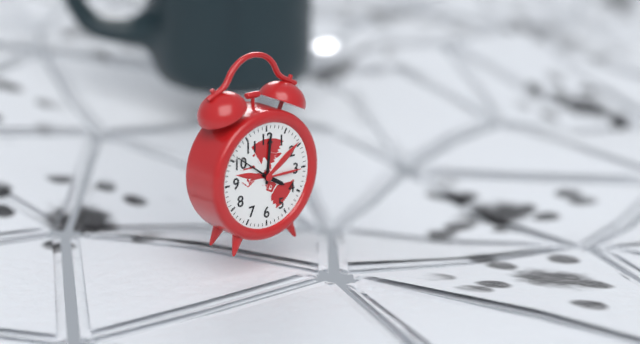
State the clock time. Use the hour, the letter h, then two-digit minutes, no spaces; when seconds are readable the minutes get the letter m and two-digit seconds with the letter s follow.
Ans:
4h01
